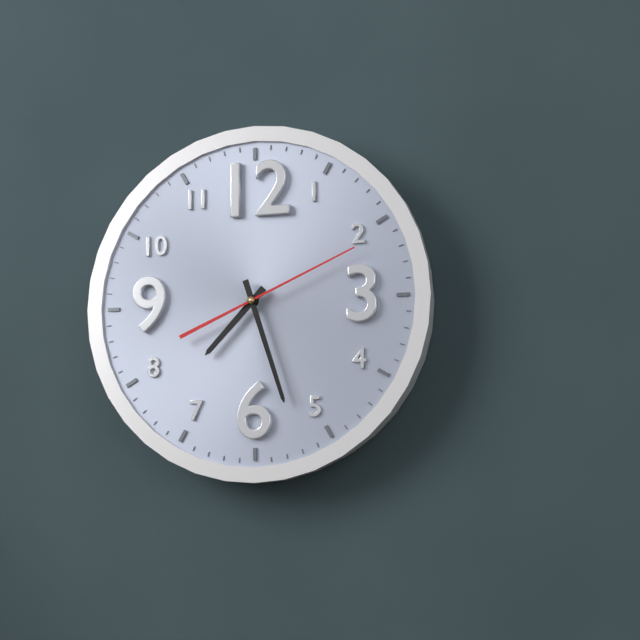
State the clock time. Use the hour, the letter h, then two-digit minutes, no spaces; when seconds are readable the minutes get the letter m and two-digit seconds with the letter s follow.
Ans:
7h27m11s
